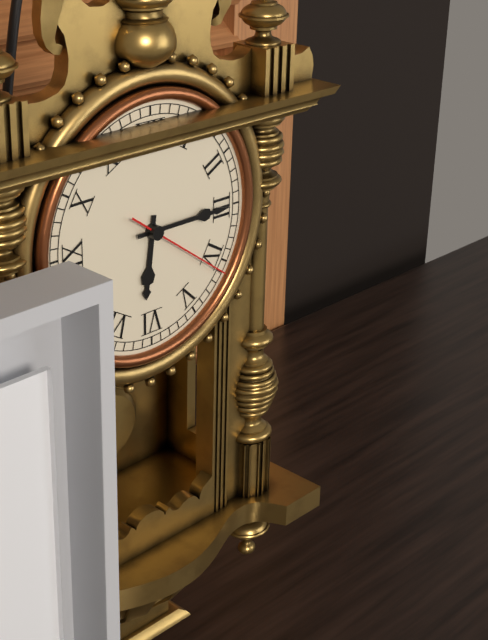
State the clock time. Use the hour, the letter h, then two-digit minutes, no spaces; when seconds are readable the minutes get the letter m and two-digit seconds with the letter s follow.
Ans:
6h15m21s
